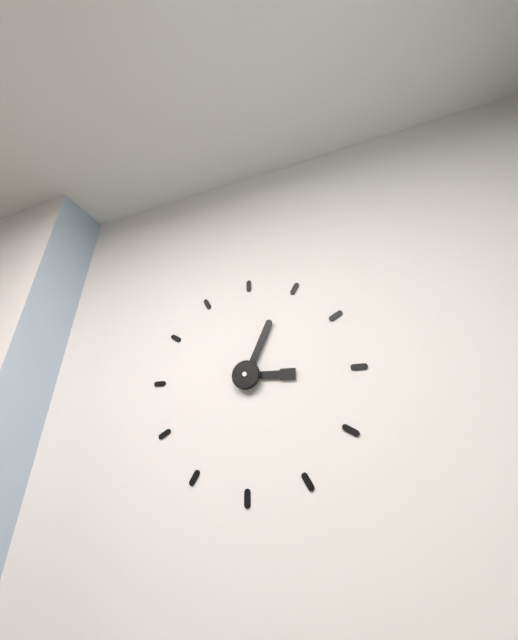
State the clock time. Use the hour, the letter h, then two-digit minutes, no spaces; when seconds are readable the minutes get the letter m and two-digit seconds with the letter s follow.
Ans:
3h04
